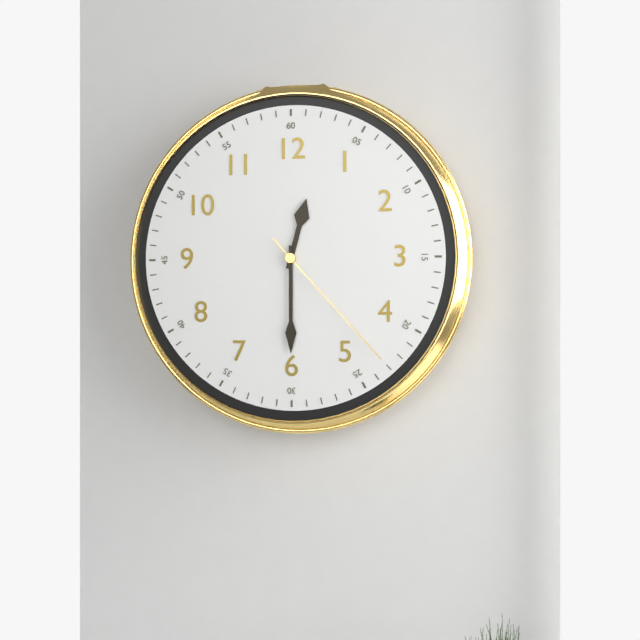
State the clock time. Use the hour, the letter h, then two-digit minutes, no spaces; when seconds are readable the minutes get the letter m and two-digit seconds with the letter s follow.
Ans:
12h30m23s
